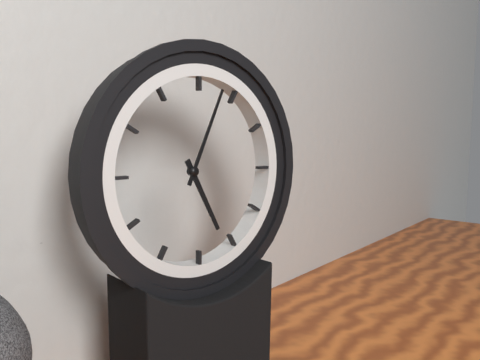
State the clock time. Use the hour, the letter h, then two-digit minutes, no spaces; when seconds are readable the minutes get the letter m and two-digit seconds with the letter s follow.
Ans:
5h04
